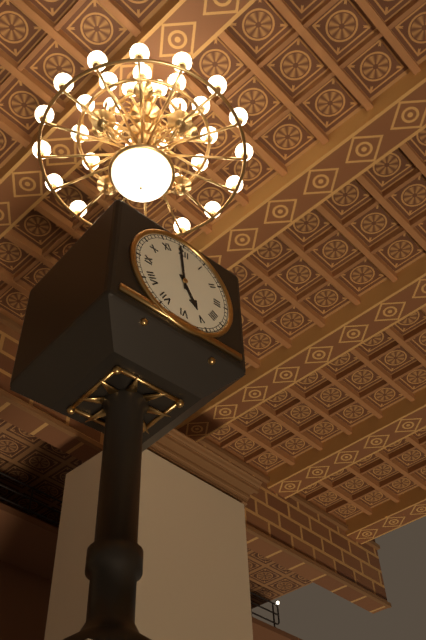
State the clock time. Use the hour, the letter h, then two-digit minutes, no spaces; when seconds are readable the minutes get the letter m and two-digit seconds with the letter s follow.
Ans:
4h59
